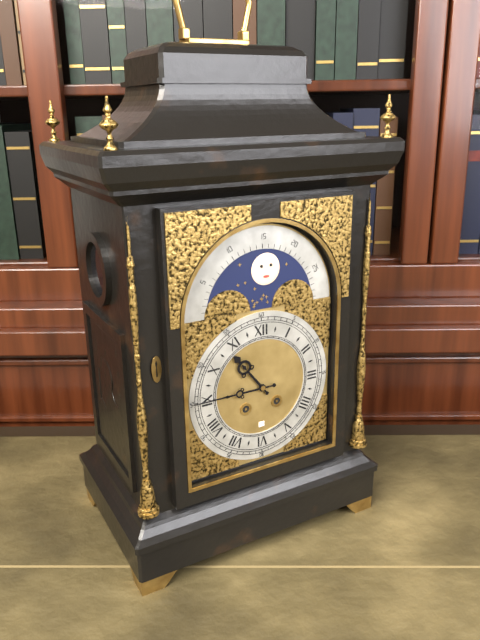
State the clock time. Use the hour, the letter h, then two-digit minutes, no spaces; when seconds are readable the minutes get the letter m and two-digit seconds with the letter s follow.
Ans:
10h45
